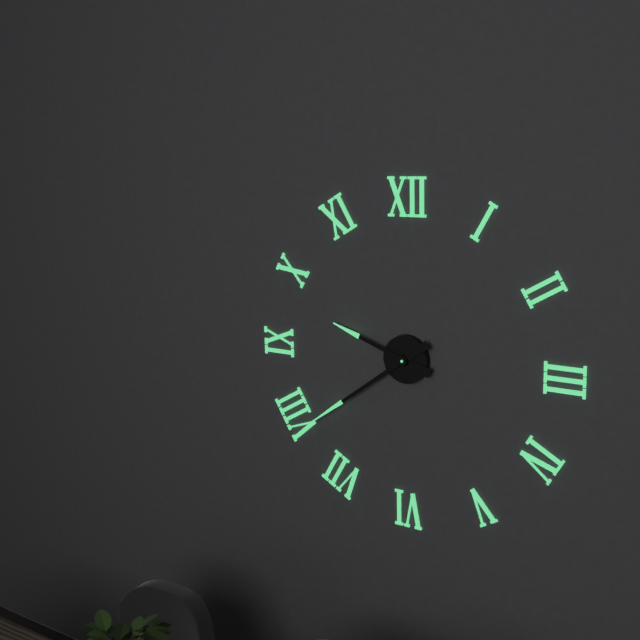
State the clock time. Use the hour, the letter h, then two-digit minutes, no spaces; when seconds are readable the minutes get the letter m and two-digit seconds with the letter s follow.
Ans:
9h39
